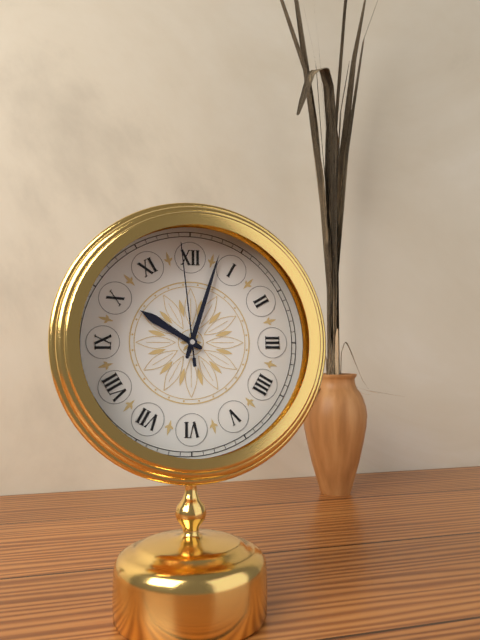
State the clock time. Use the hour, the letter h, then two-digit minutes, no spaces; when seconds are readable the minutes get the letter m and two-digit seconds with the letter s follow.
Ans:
10h03m59s
